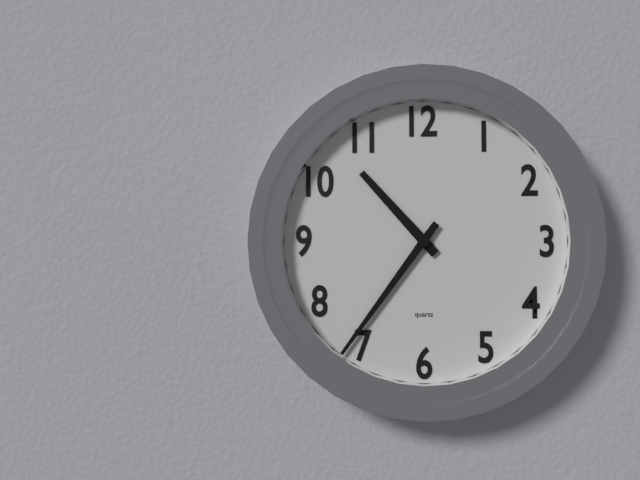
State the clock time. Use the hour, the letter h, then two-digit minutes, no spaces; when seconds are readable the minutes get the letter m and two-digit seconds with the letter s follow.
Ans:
10h36
